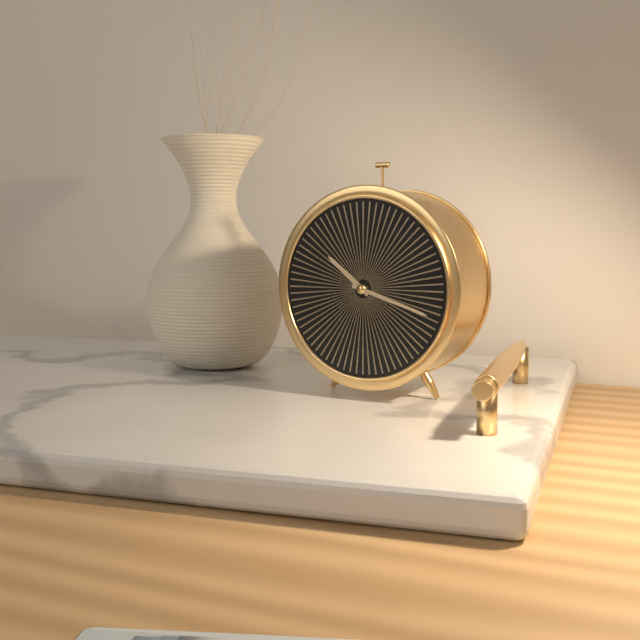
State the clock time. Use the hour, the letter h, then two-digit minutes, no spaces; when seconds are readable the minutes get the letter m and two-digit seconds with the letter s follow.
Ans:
10h18
